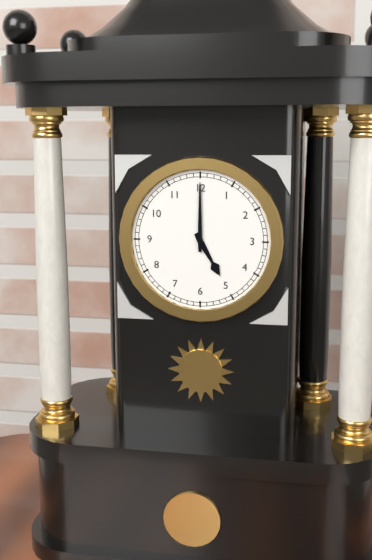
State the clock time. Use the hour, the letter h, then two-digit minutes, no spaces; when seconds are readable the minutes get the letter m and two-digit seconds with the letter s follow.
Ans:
5h00
